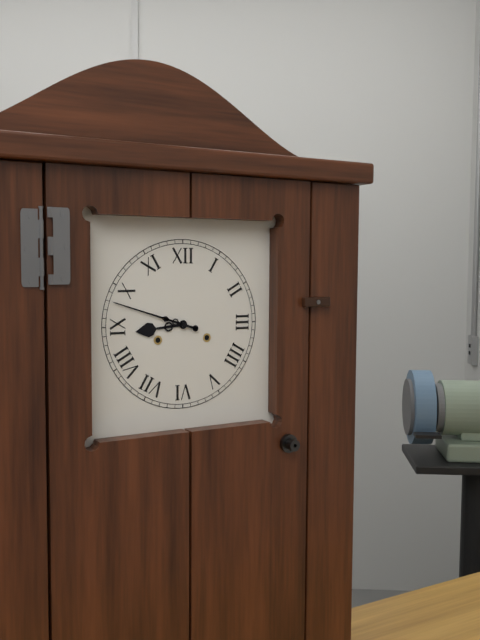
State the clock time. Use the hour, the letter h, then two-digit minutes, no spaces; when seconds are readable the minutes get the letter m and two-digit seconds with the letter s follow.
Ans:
8h48
